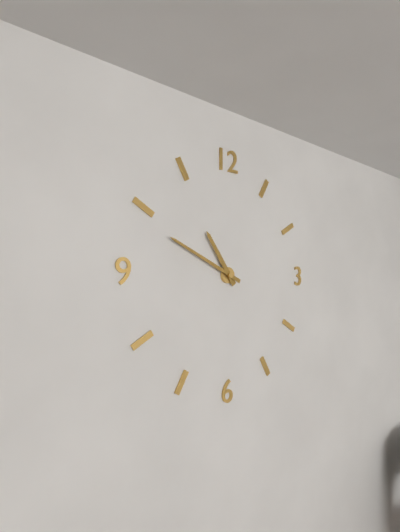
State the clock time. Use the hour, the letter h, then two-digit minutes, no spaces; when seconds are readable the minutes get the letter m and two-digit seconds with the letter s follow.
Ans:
10h49
